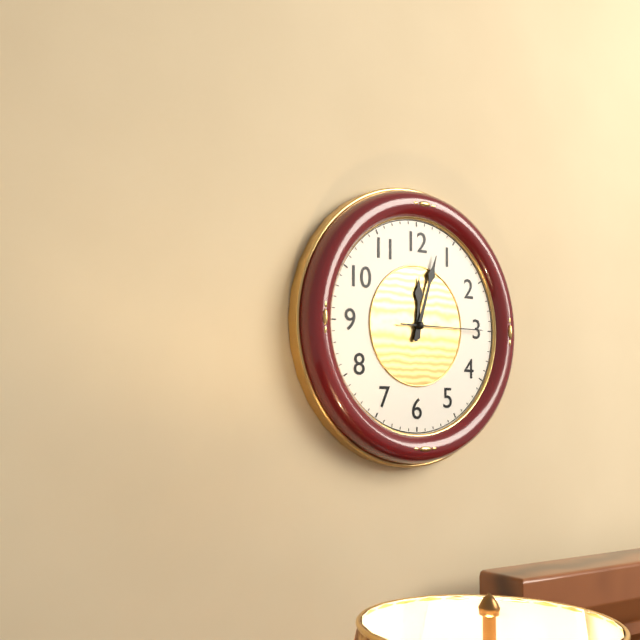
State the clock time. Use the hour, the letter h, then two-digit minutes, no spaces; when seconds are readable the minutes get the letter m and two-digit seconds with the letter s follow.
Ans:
12h03m15s
